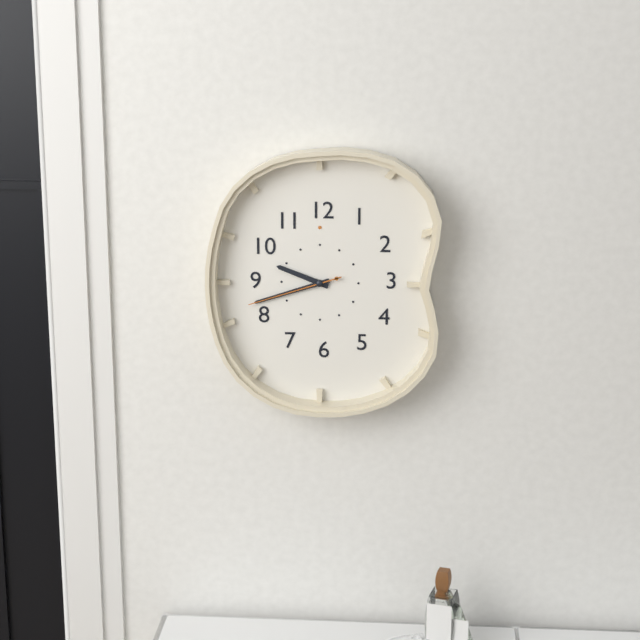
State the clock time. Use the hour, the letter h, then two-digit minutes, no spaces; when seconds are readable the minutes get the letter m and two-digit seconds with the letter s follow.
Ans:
9h42m42s
